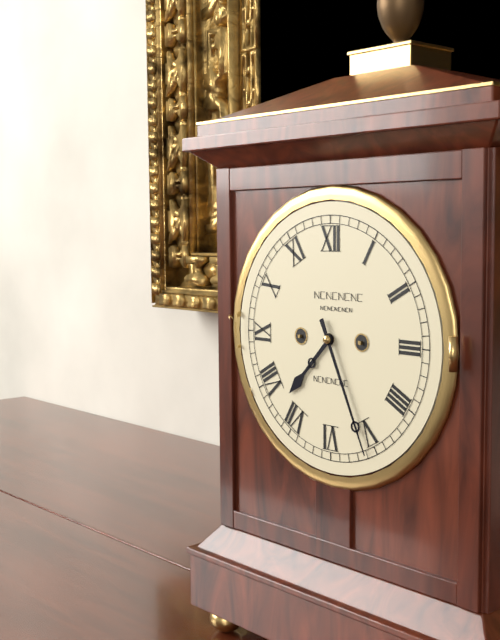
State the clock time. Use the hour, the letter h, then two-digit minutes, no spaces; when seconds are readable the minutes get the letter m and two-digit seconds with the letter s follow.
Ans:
7h26
